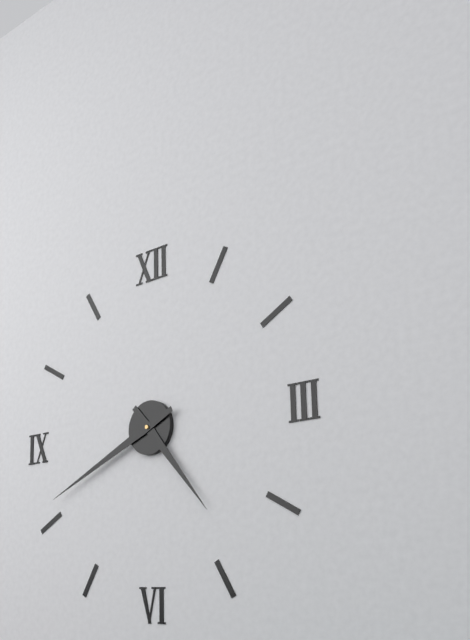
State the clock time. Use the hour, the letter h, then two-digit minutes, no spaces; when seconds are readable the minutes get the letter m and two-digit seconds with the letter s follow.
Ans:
4h41
